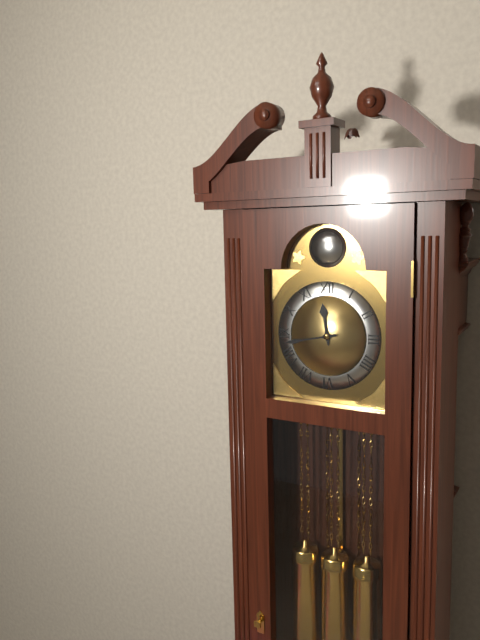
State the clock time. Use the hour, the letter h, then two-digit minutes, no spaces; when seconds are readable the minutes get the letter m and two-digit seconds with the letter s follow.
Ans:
11h43
